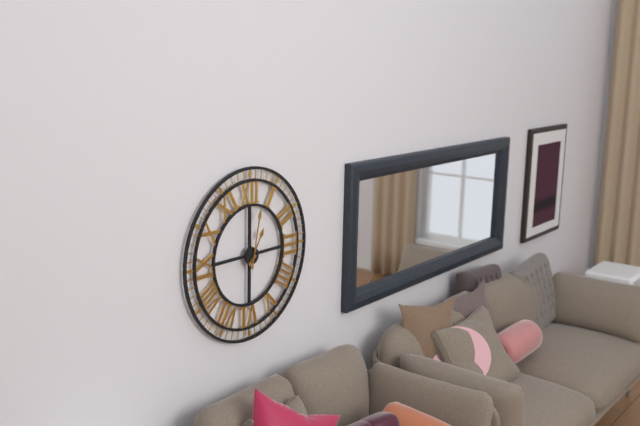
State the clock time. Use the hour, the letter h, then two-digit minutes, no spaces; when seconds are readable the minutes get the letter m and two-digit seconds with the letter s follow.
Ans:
1h02
